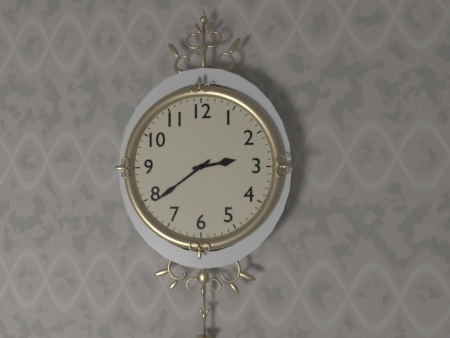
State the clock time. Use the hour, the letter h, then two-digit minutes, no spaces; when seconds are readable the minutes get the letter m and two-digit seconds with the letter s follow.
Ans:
2h39
